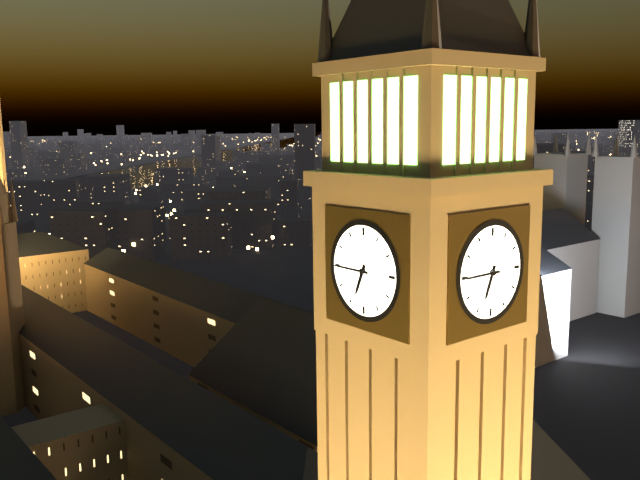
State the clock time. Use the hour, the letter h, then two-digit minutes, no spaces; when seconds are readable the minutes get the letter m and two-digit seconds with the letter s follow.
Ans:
6h45
